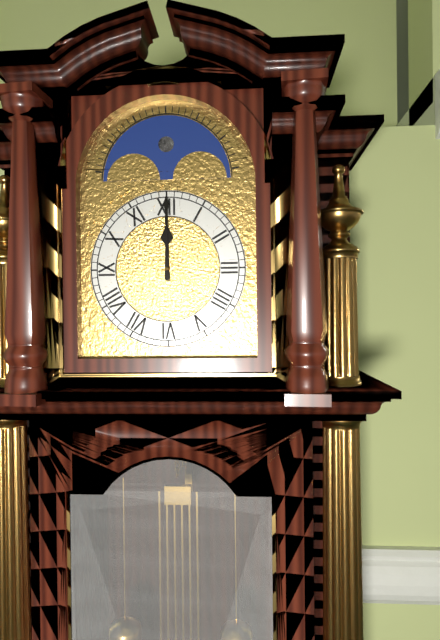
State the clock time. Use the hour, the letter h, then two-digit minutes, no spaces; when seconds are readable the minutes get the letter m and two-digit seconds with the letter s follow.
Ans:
12h00
